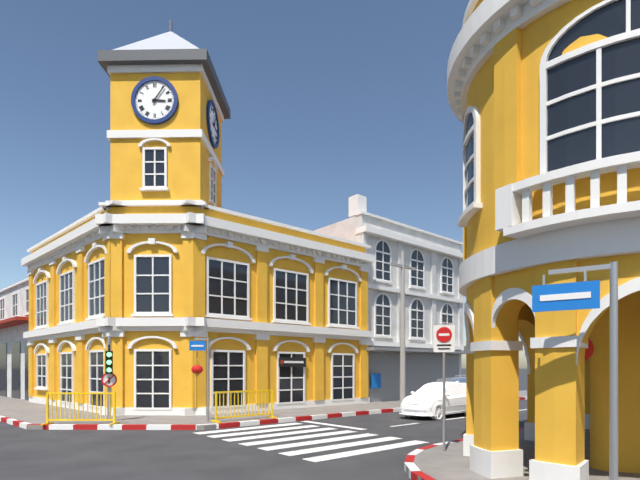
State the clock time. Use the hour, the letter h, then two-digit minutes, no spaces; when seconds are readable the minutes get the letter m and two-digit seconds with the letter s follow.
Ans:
3h06
